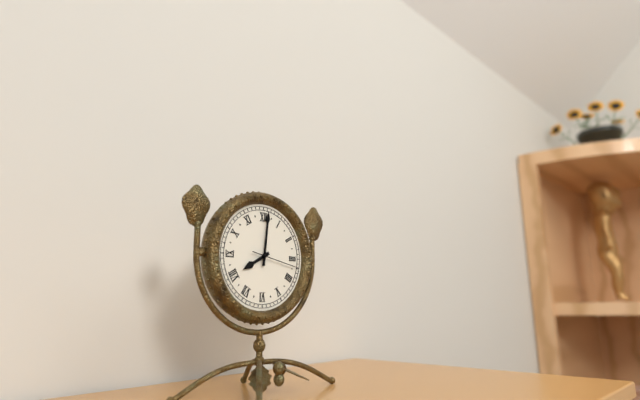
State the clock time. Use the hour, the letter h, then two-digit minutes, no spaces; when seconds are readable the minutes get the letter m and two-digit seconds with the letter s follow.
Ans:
8h01m17s
